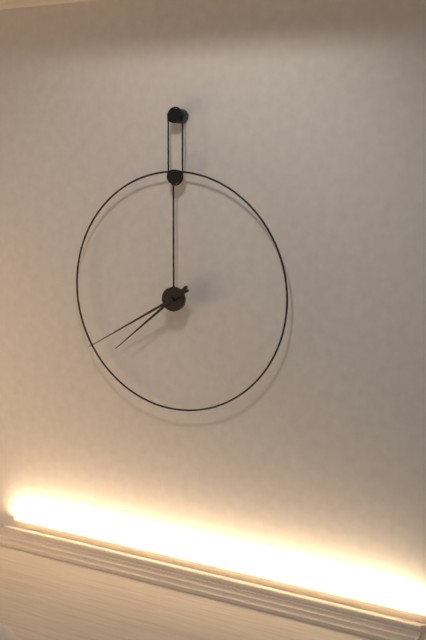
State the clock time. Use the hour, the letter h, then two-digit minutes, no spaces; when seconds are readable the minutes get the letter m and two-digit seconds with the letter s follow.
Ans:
7h40
